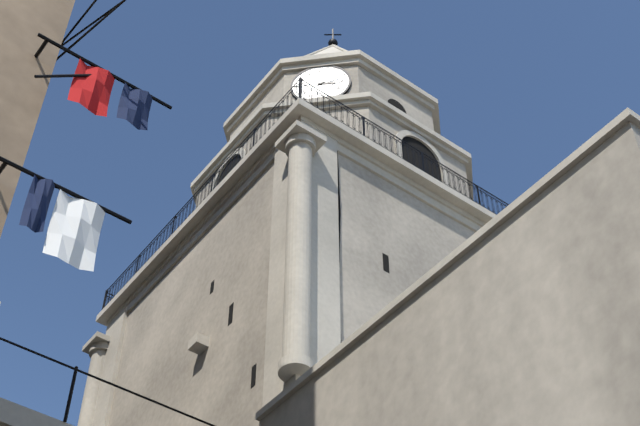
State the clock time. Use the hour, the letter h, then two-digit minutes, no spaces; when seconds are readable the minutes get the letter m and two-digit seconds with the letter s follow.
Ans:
3h12
